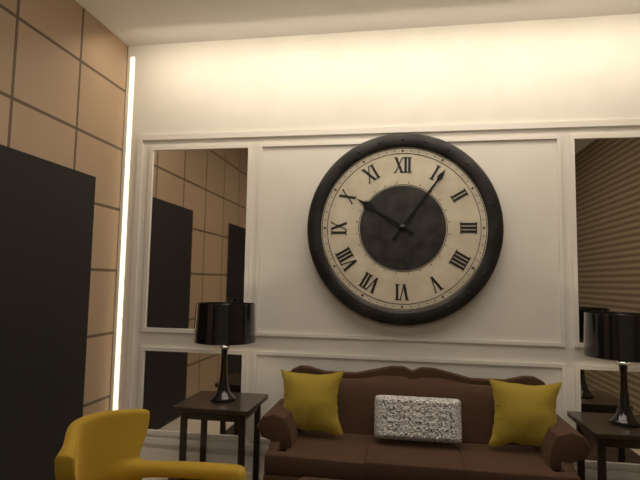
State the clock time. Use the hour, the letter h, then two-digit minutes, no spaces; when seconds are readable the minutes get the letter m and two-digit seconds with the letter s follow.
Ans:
10h06
